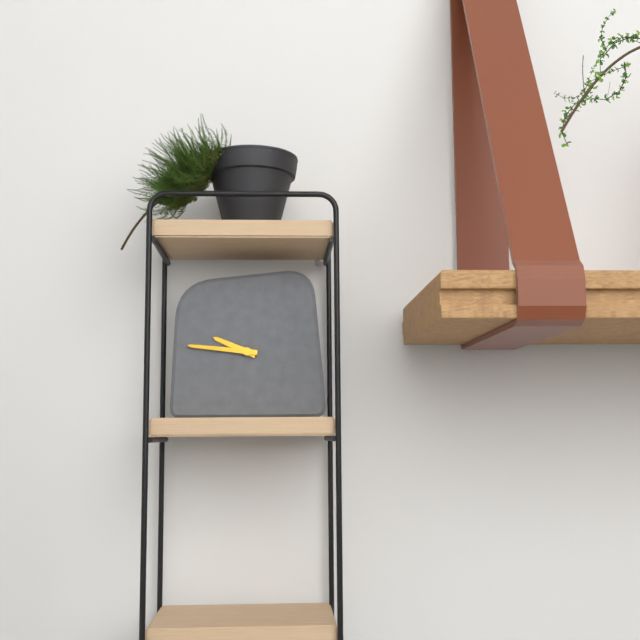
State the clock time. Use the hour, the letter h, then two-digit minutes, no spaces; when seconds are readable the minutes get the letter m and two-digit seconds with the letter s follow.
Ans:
9h46
